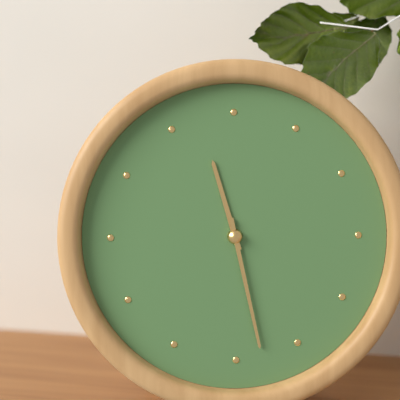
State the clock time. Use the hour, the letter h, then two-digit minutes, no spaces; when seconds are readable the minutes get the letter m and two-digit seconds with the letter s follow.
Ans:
11h28
